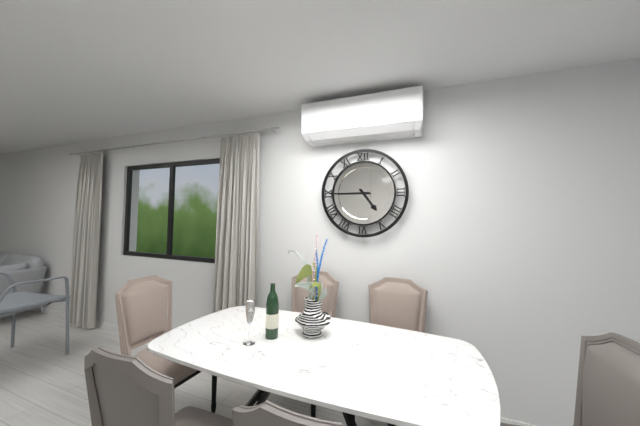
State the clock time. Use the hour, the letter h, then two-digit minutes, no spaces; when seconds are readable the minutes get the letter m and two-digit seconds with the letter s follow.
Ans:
4h45
